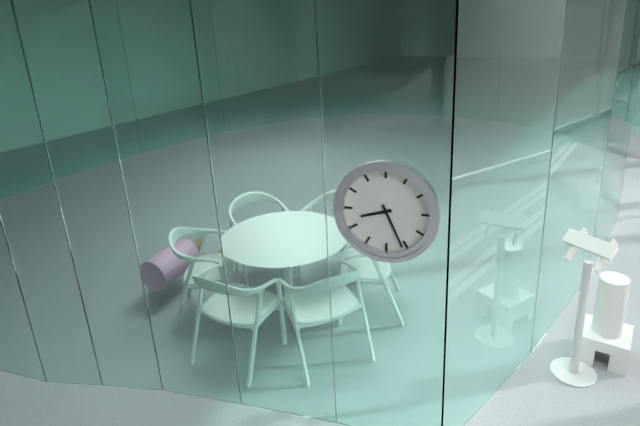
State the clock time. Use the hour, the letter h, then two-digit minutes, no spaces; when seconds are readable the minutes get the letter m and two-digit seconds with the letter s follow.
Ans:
8h26
